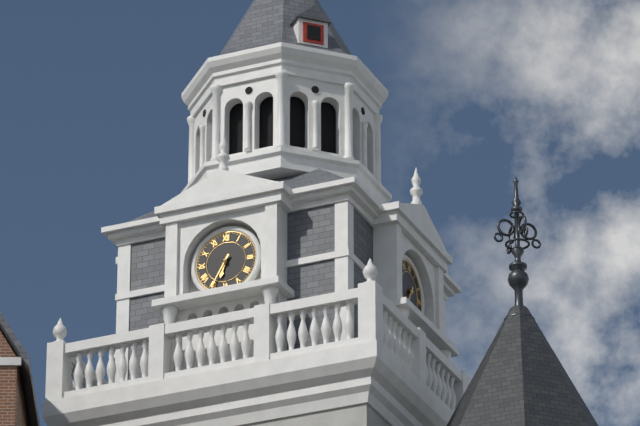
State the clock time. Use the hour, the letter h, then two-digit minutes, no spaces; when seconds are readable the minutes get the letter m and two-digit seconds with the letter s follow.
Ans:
6h35
